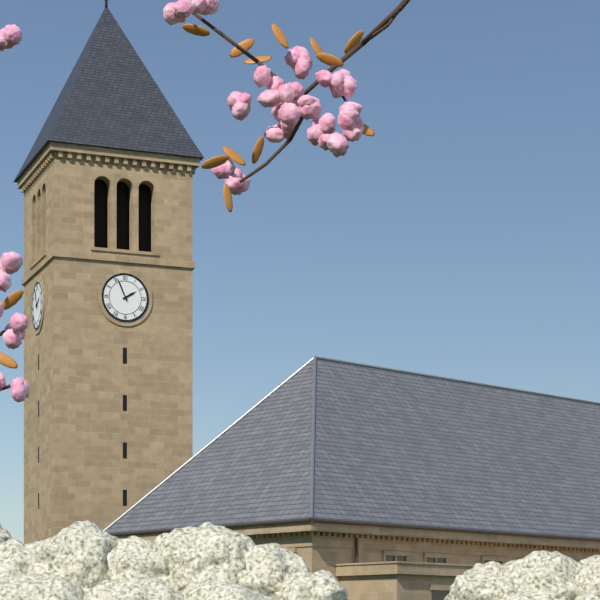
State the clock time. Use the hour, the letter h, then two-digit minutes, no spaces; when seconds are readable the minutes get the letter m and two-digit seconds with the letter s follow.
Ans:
1h56
